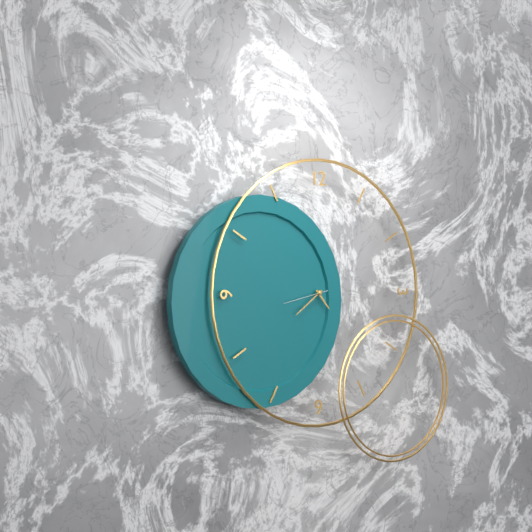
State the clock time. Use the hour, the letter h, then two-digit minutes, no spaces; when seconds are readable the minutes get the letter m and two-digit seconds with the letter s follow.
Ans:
4h39
